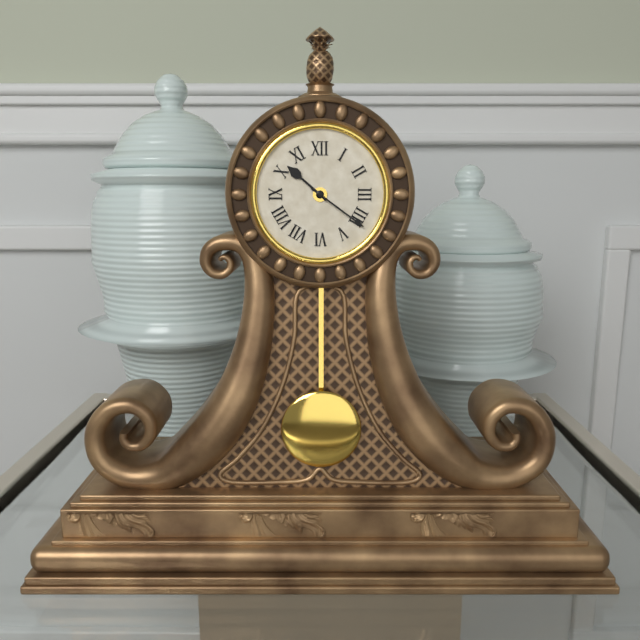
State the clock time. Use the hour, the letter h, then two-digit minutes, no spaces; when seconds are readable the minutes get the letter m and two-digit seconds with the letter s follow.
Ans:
10h21
